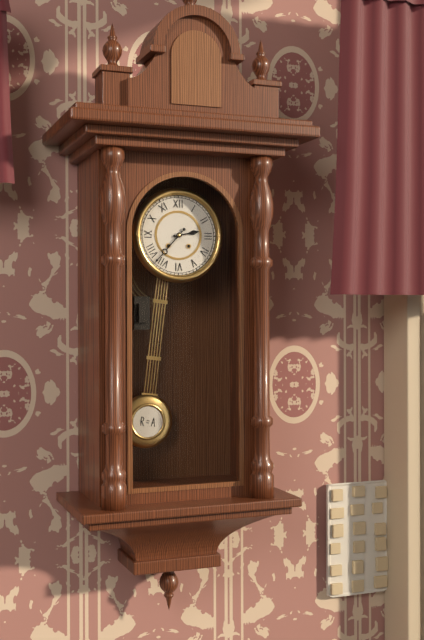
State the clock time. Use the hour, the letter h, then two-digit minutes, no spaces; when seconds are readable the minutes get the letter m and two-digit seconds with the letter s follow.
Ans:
2h37
